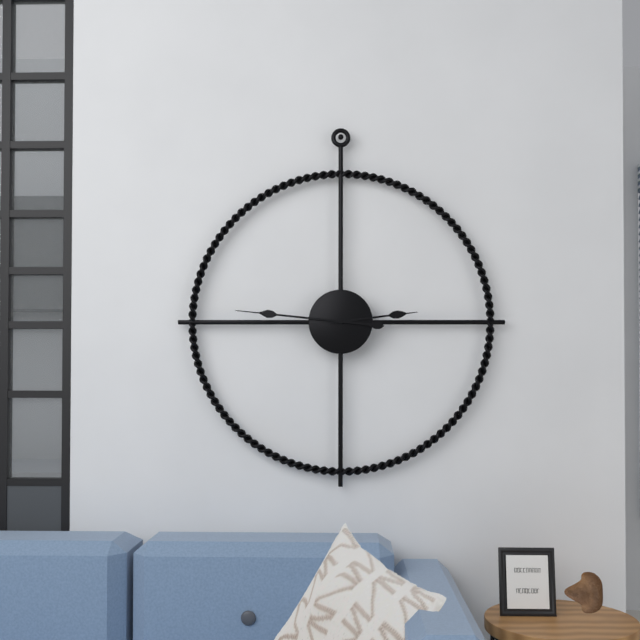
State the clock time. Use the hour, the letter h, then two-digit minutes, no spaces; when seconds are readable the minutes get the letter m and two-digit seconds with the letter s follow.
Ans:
2h46
